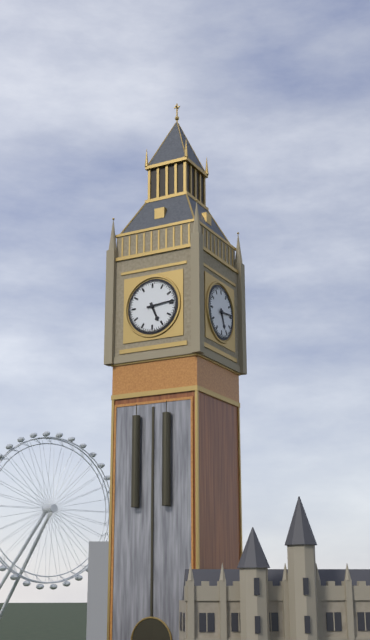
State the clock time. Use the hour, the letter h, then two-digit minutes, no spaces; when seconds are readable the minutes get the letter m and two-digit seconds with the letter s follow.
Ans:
5h14
